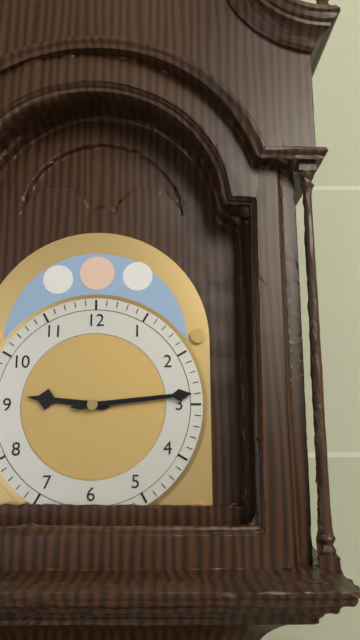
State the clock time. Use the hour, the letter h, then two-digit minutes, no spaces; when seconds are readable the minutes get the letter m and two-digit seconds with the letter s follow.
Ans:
9h14
